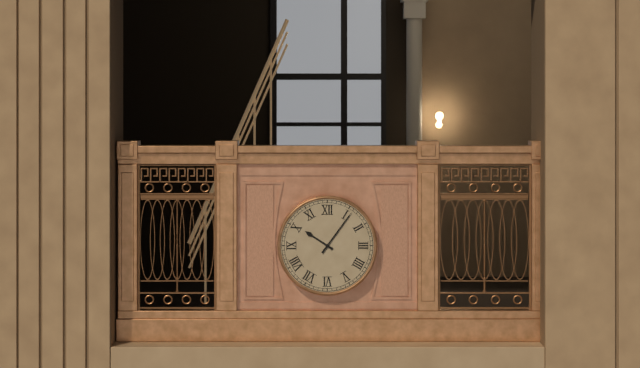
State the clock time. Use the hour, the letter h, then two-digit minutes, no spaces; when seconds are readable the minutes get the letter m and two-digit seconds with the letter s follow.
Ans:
10h06
